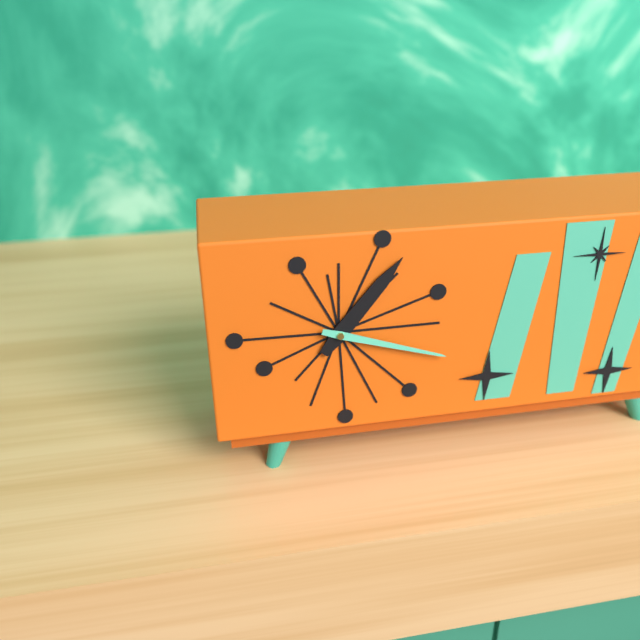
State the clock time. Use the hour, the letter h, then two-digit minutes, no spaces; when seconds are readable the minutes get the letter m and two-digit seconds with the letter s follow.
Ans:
1h18
